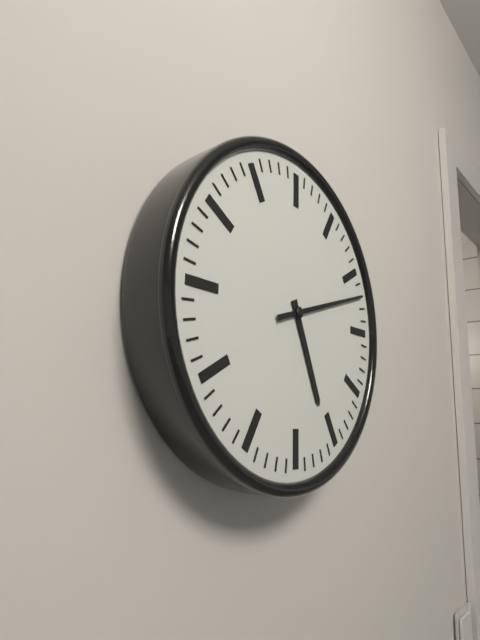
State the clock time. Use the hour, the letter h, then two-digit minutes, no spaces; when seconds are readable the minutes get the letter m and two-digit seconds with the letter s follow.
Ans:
5h12
